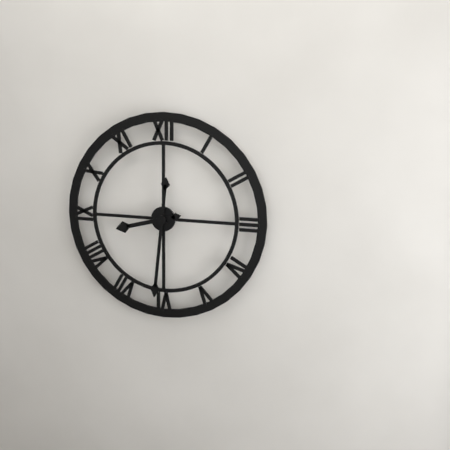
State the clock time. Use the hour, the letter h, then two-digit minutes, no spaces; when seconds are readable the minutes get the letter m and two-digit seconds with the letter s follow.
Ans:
8h31
